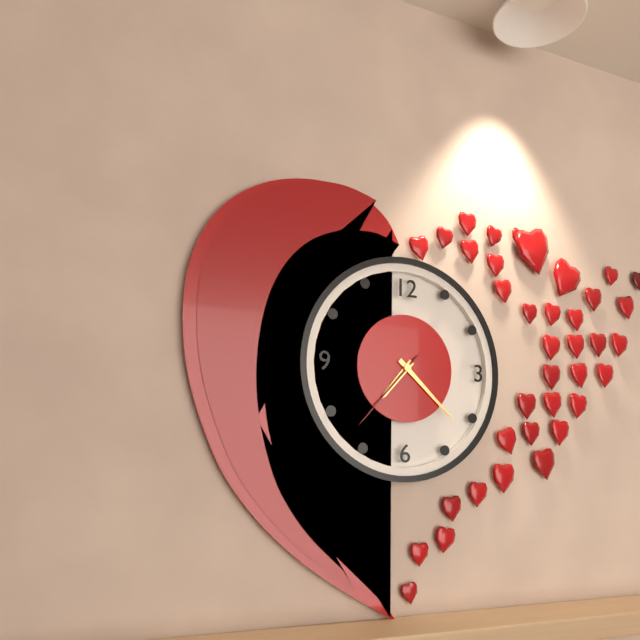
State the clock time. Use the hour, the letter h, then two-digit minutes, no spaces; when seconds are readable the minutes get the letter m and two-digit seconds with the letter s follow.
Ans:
7h22m37s
